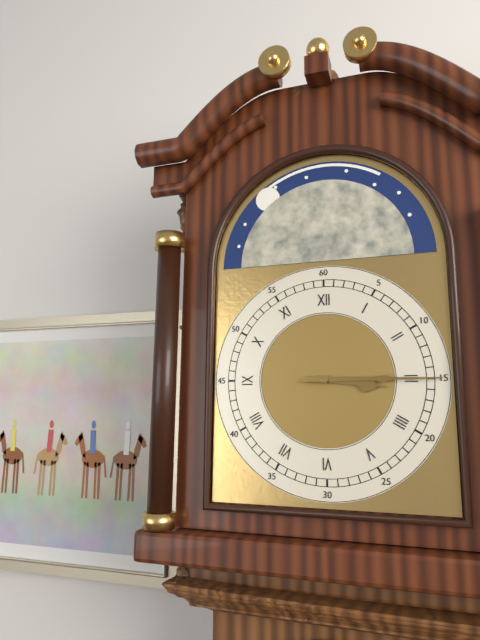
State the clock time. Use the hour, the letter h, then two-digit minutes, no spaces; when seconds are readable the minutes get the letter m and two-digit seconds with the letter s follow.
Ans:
3h15
